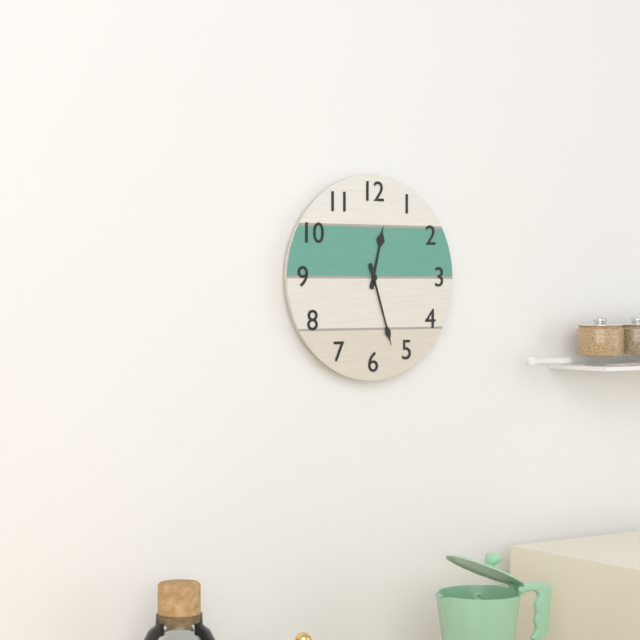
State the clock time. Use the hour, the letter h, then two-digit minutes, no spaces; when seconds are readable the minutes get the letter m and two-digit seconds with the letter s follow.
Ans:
12h27
